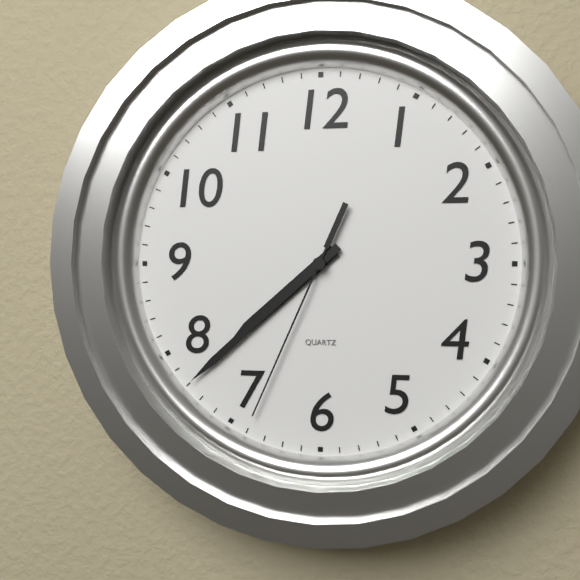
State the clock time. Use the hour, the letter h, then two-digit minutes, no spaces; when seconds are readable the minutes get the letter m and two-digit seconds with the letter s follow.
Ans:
7h38m34s
